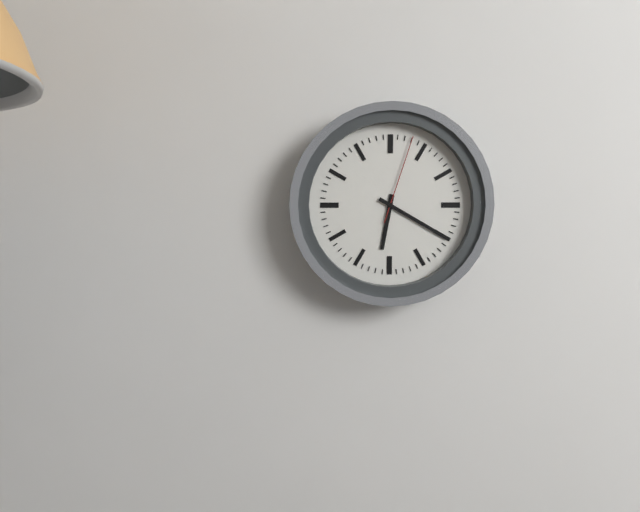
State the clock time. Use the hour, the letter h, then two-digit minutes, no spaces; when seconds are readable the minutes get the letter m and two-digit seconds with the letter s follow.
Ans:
6h20m03s
